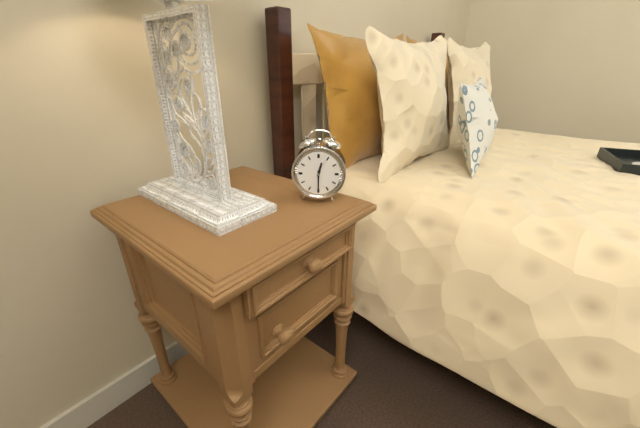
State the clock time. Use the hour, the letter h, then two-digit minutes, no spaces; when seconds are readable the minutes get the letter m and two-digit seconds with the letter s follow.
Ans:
12h30
